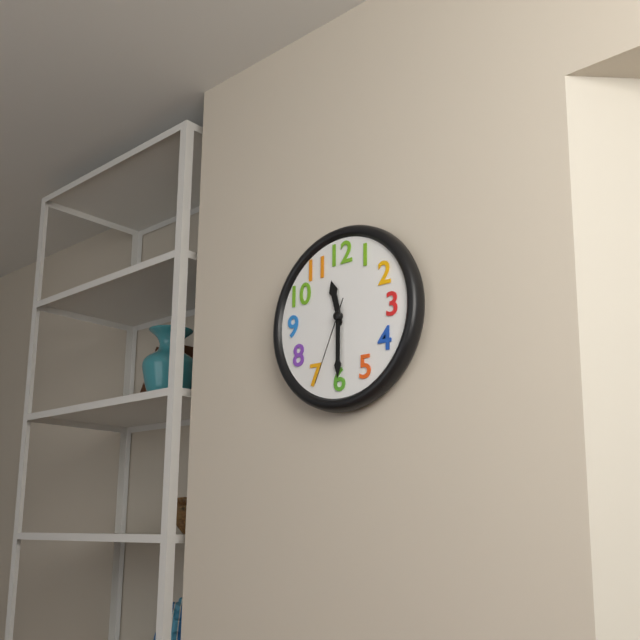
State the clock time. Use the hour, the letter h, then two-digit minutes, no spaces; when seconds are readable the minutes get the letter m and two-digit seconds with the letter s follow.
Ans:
11h30m34s
